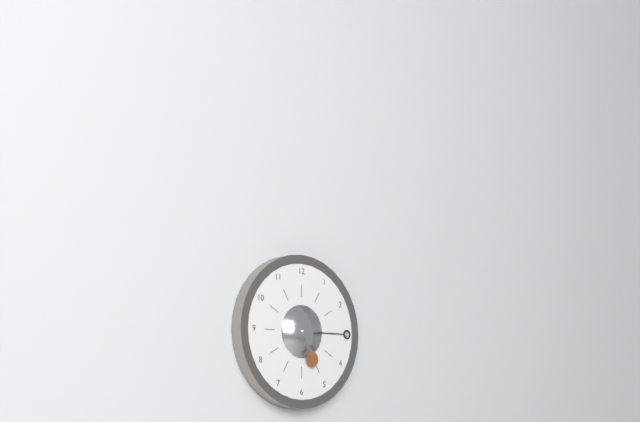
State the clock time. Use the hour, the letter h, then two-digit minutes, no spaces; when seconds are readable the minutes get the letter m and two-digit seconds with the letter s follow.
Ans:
5h15
